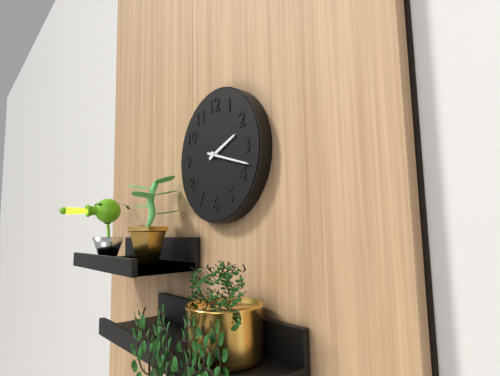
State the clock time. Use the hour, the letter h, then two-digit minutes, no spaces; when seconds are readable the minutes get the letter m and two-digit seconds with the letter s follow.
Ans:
2h18
